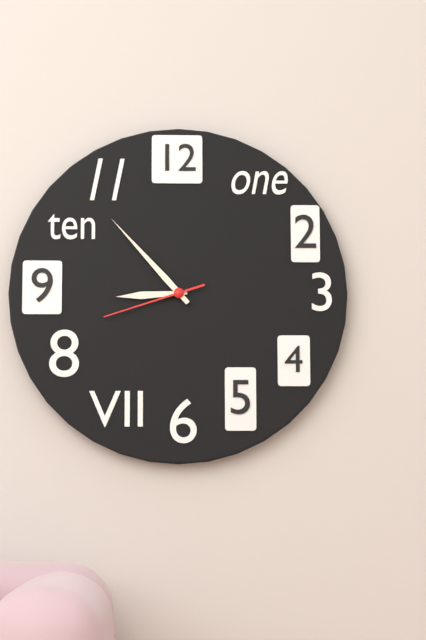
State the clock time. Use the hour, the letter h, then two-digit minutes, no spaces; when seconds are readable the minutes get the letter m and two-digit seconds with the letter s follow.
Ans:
8h53m42s
